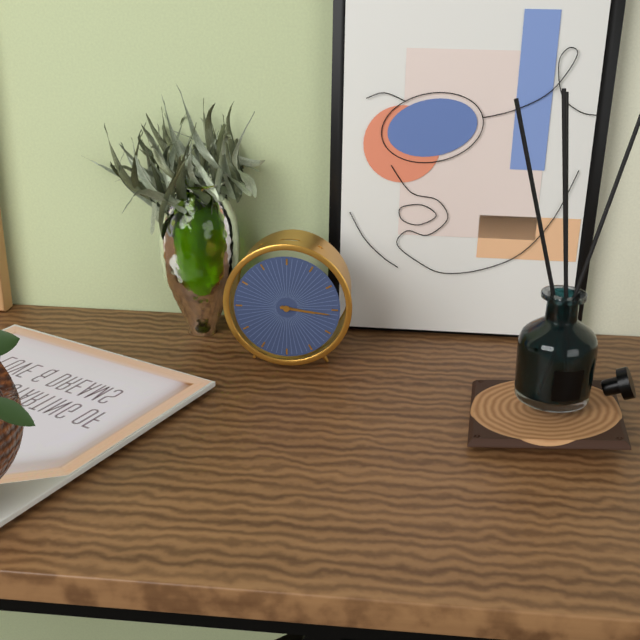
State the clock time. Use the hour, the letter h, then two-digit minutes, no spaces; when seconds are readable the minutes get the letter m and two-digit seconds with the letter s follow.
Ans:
3h16
